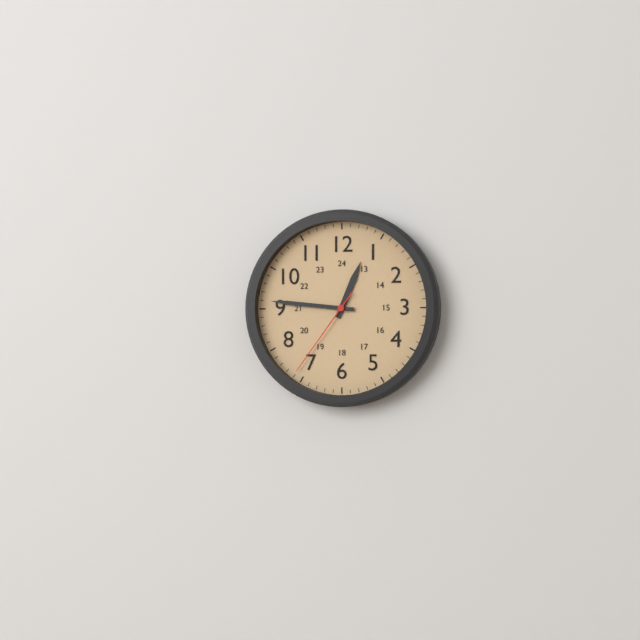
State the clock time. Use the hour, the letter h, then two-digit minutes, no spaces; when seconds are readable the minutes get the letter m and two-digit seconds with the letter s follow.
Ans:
12h46m36s
